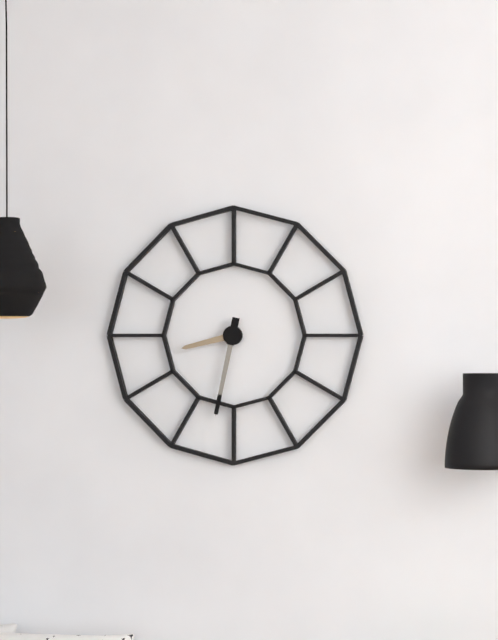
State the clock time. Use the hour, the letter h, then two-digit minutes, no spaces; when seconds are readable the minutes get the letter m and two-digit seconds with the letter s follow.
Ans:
8h32
